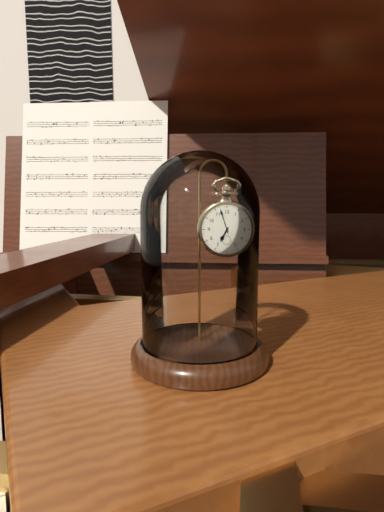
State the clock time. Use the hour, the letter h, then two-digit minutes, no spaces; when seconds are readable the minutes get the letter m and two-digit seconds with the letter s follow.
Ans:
6h57
